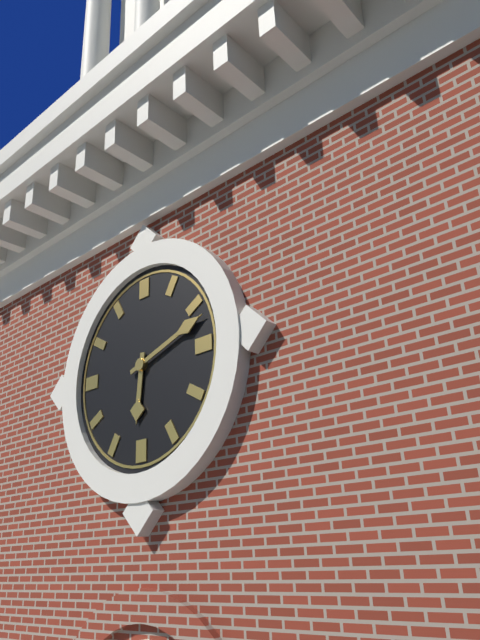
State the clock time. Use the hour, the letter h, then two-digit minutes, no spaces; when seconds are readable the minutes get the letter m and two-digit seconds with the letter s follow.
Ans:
6h12
